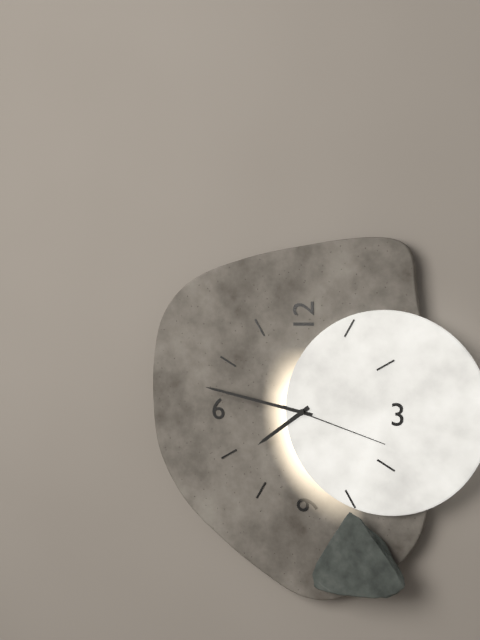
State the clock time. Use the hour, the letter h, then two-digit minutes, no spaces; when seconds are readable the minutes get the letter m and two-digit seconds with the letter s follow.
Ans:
7h47m18s
